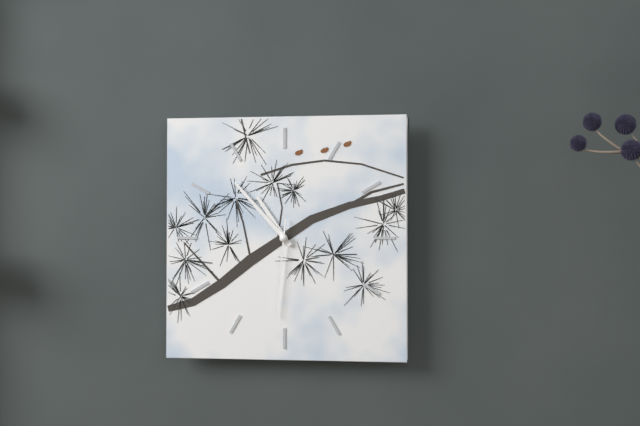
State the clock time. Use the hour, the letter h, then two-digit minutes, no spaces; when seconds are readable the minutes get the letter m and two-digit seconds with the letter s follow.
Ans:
10h53m31s
